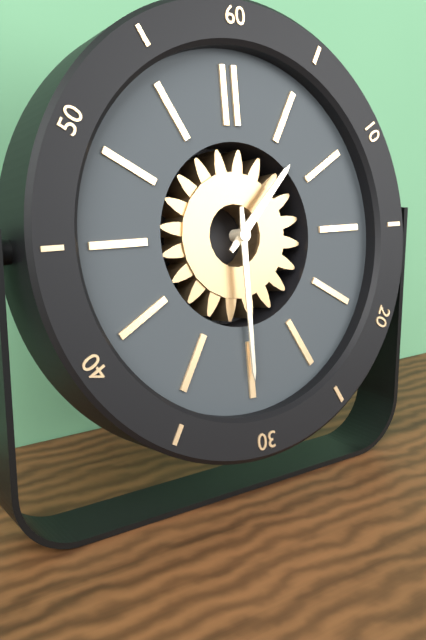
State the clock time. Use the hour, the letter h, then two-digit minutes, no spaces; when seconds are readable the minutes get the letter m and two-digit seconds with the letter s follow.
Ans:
1h30
